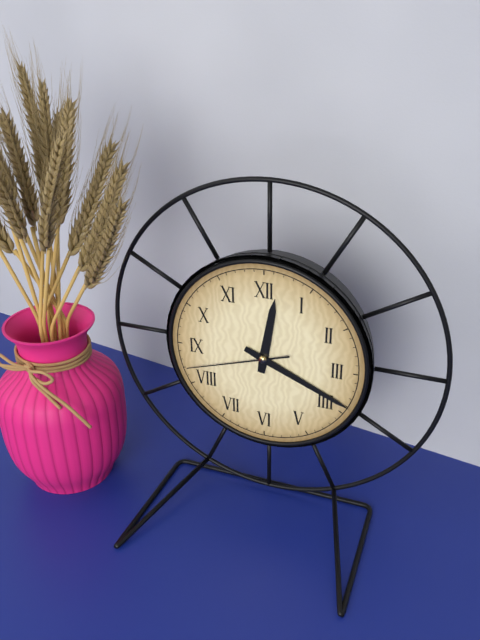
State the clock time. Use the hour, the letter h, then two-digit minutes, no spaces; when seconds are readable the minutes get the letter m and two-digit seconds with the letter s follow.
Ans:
12h19m42s
